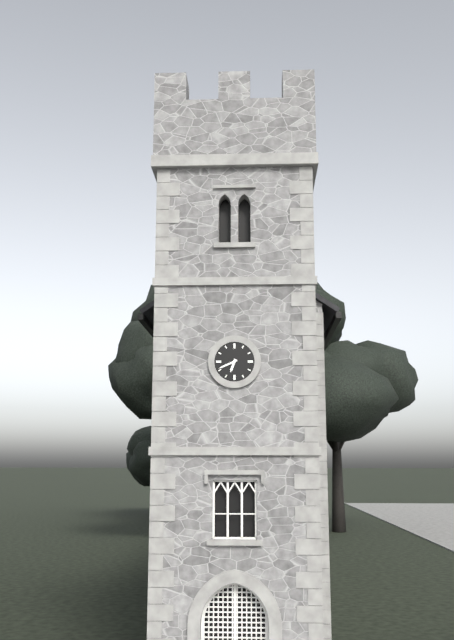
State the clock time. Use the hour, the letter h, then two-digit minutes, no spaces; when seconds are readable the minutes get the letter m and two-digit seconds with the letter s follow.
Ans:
6h41
